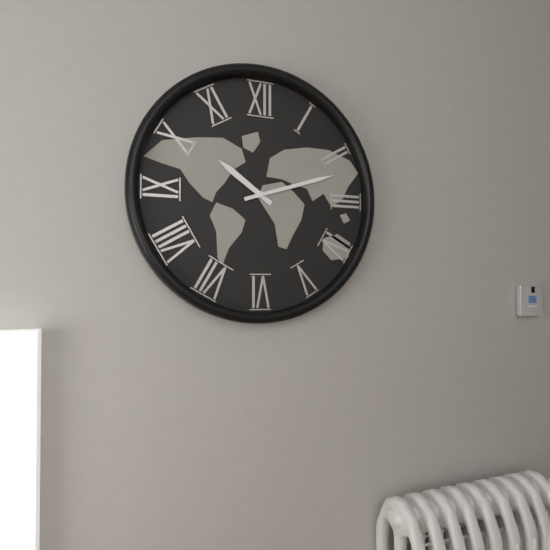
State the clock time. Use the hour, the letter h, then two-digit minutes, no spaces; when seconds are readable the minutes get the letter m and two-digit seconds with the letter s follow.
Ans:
10h12
